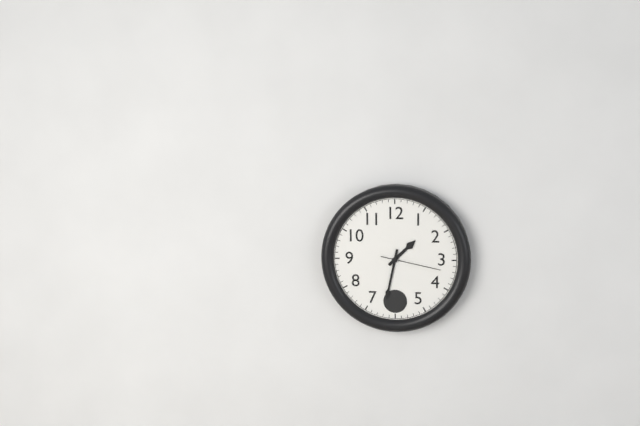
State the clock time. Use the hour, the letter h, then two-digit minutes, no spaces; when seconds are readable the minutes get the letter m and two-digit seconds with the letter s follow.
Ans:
1h32m17s
